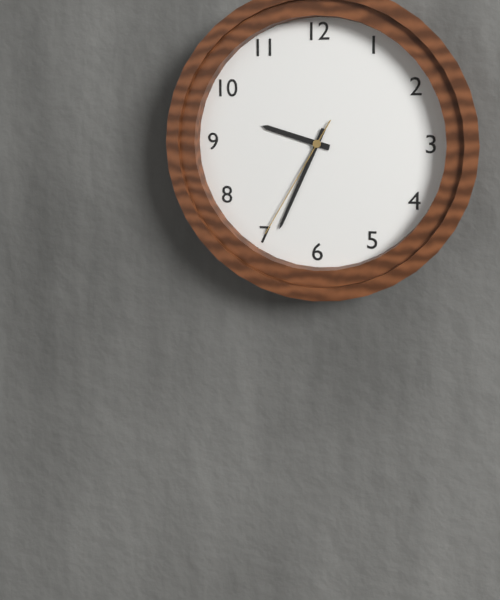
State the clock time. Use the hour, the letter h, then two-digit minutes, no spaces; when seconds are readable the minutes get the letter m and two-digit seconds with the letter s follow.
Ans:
9h34m35s
